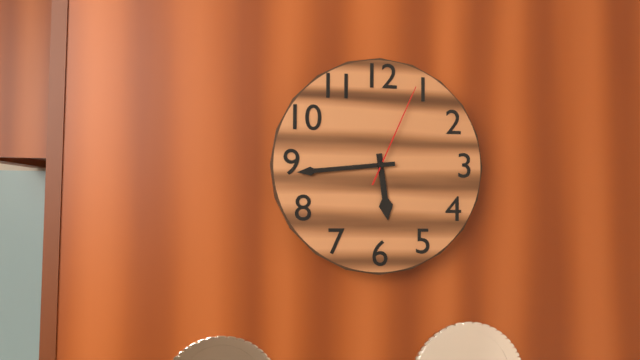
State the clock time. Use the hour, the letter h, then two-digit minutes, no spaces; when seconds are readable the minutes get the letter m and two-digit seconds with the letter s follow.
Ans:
5h44m04s
